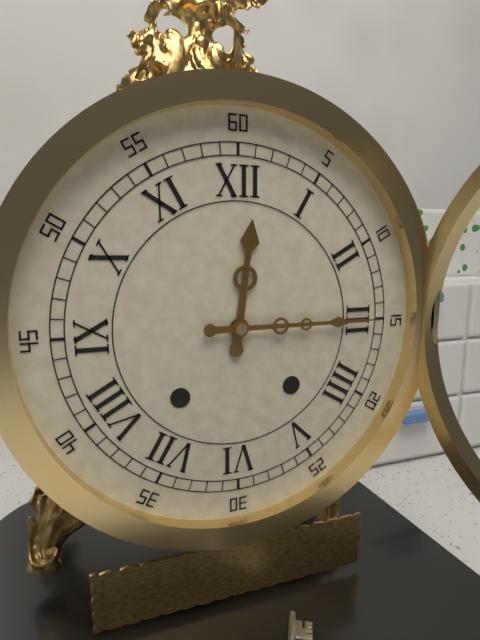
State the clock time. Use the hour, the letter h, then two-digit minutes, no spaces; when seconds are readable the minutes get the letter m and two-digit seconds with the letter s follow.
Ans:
12h15
